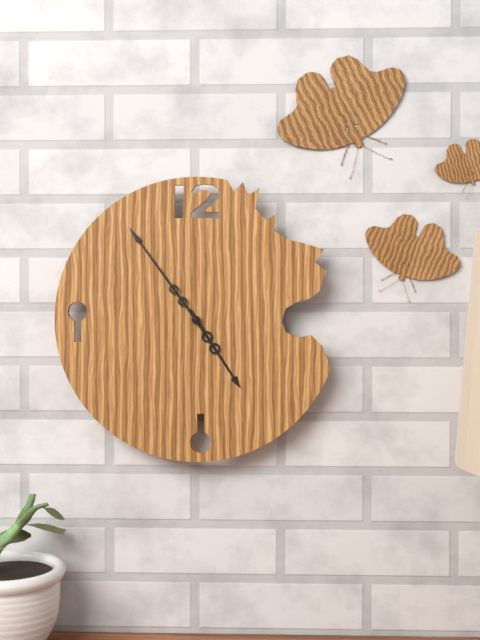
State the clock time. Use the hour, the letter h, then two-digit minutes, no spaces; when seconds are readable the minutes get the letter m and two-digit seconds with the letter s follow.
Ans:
4h54
